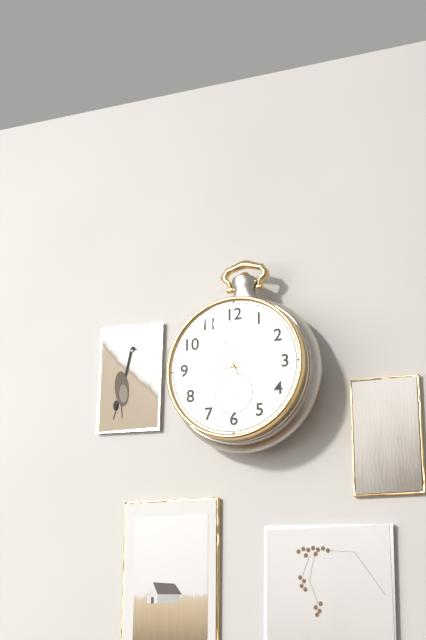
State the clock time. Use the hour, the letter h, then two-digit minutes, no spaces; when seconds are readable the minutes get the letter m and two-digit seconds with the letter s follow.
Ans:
8h56
